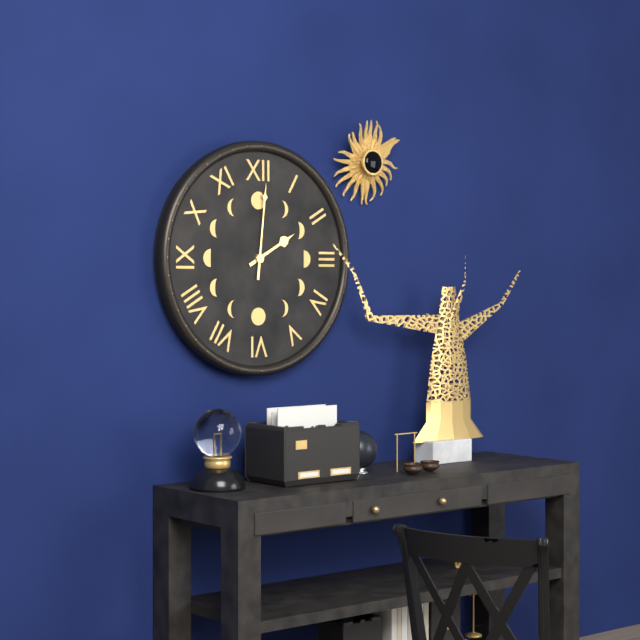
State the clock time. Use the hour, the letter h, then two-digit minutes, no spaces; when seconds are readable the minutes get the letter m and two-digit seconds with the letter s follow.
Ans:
2h01
